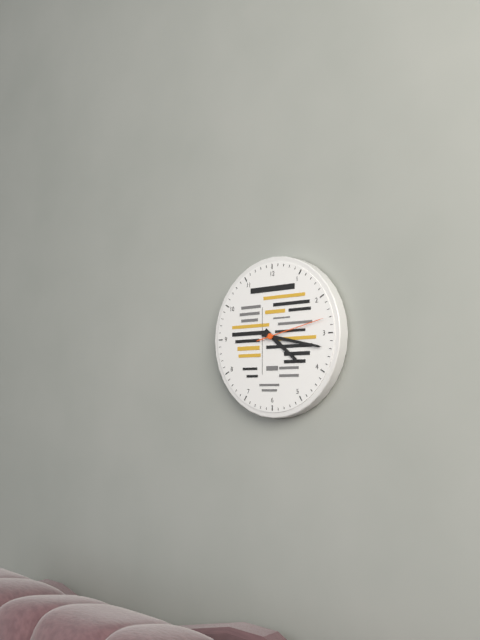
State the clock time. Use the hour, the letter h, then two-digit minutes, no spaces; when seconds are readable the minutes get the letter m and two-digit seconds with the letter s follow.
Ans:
4h17m13s
